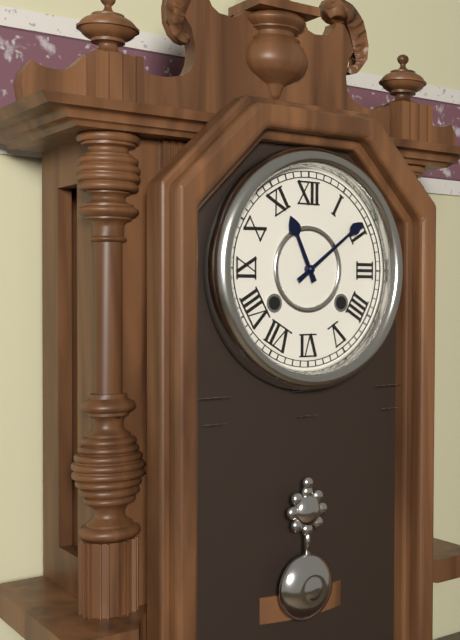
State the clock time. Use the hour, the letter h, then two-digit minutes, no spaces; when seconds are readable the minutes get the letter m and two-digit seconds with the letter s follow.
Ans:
11h09
